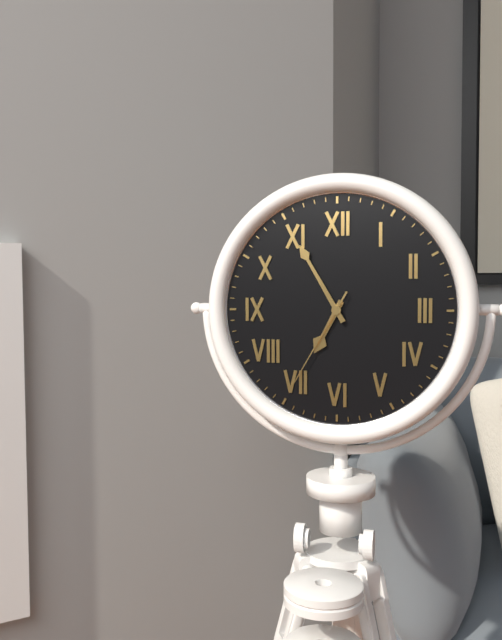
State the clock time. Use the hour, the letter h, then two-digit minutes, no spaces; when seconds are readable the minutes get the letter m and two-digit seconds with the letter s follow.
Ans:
6h55m35s
